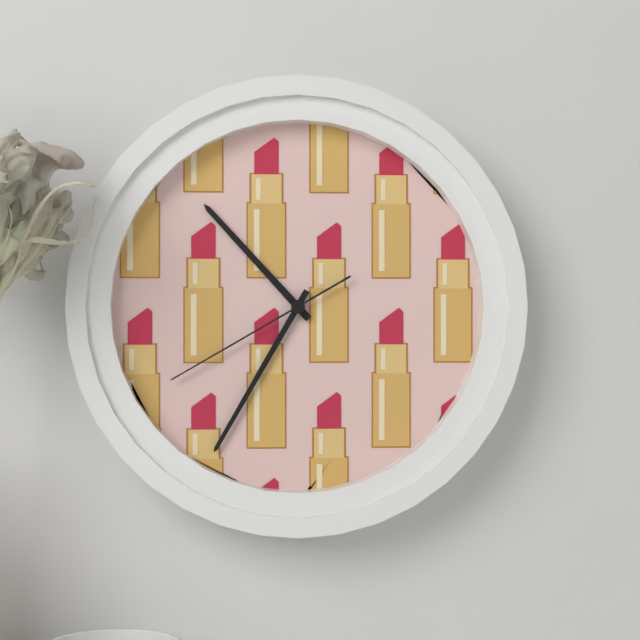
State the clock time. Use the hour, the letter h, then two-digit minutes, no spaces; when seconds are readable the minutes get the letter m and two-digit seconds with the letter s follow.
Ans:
10h35m40s
